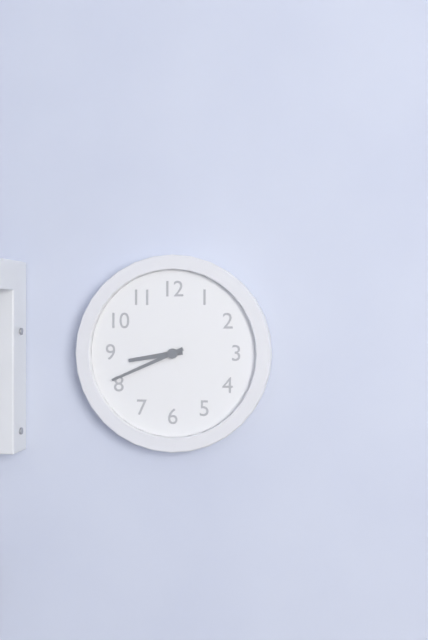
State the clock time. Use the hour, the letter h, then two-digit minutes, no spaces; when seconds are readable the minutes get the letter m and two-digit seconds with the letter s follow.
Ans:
8h41
